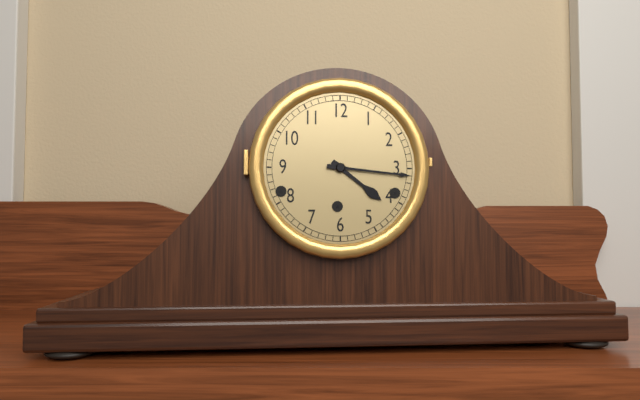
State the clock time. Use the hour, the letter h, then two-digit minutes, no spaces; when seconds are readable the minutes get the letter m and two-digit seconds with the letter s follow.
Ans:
4h16
